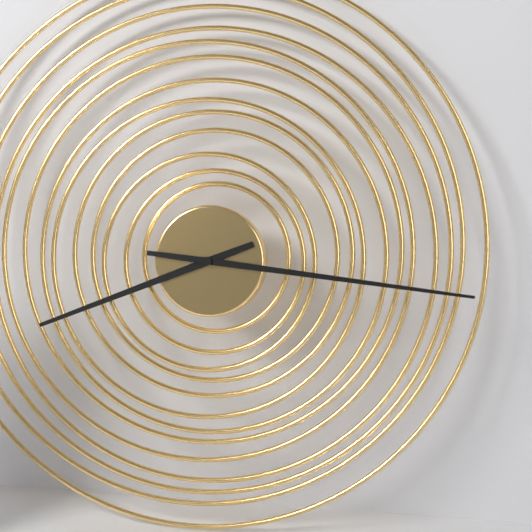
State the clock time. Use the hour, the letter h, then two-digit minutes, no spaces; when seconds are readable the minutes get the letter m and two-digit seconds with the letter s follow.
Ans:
8h16
